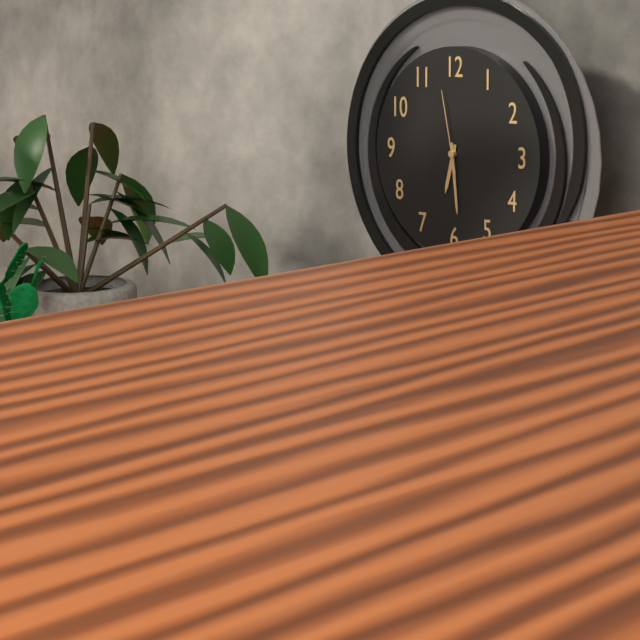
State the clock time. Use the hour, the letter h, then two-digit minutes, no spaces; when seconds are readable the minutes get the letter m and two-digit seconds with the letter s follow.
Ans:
6h29m58s
